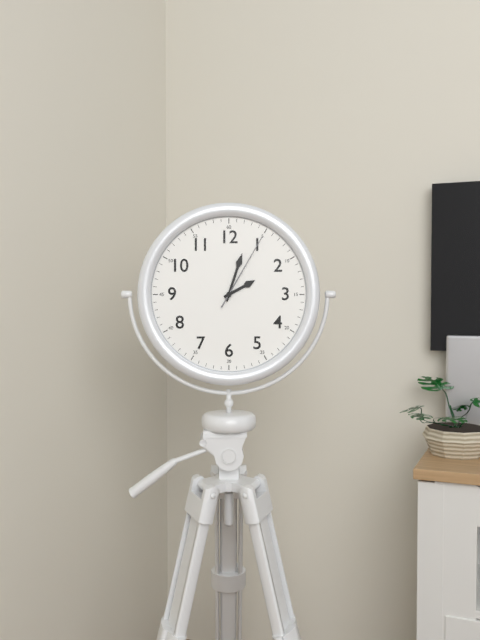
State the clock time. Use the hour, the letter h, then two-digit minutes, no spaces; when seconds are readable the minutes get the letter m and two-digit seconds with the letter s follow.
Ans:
2h03m05s
